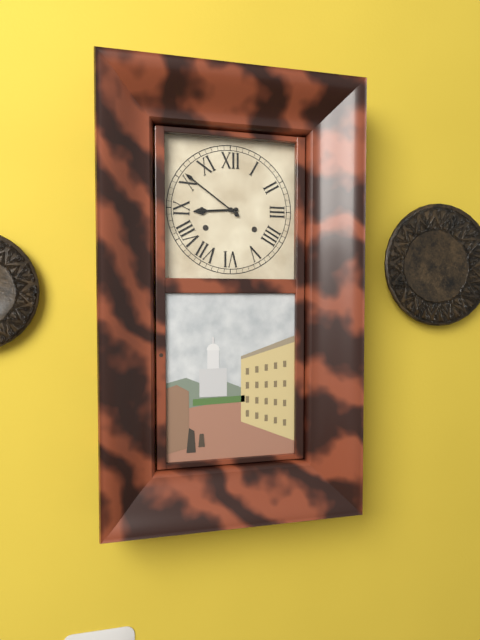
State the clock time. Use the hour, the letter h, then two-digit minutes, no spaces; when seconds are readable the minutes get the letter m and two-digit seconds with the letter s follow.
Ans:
8h51
